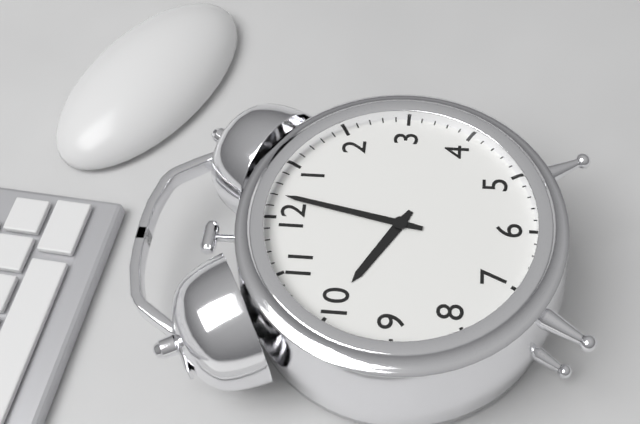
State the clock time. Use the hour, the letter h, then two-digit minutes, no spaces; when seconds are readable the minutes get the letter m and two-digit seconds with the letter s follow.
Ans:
10h02
